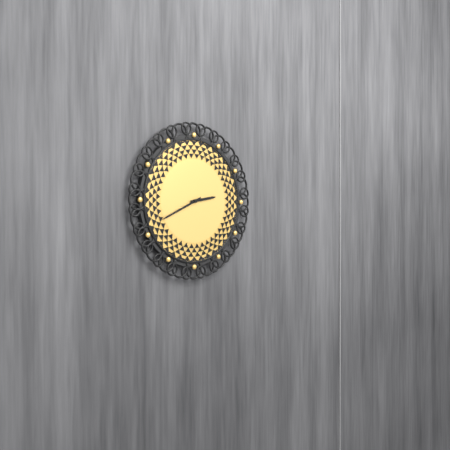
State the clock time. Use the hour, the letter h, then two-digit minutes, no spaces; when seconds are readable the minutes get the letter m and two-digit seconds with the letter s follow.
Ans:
2h41
